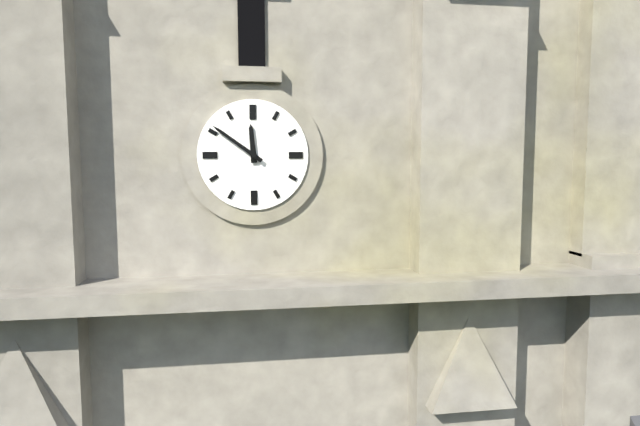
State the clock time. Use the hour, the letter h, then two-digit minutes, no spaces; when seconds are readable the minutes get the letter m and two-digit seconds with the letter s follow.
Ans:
11h51
